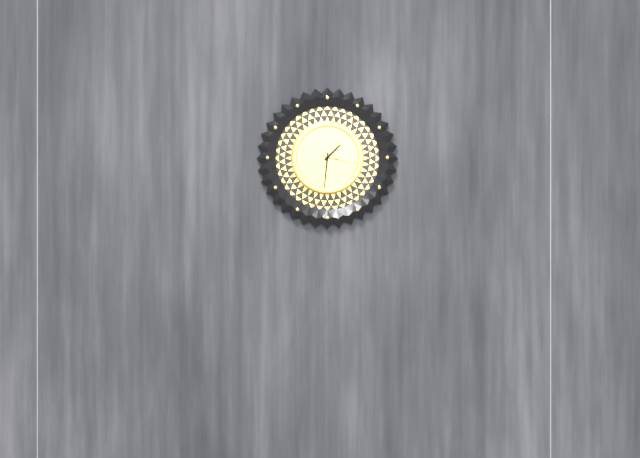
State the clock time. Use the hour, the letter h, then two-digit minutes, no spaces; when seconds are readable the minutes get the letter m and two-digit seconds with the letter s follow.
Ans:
1h31
